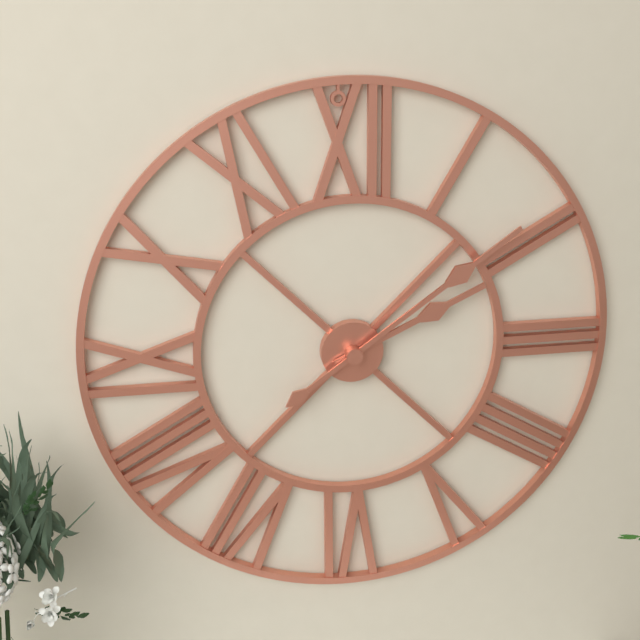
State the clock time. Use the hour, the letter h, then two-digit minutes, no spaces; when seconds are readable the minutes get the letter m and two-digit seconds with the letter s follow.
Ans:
2h09
